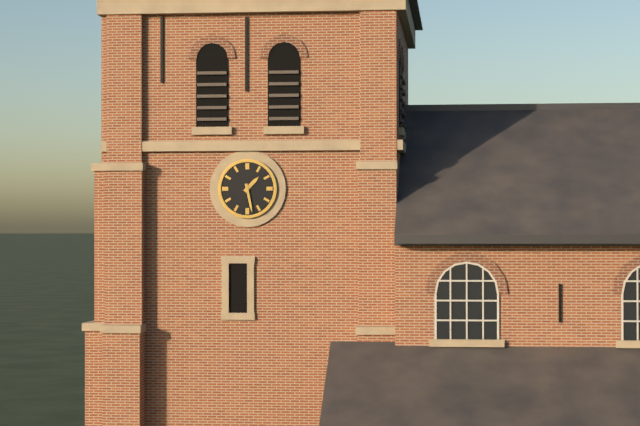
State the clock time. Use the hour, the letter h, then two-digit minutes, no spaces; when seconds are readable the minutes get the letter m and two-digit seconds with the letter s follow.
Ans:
1h28
